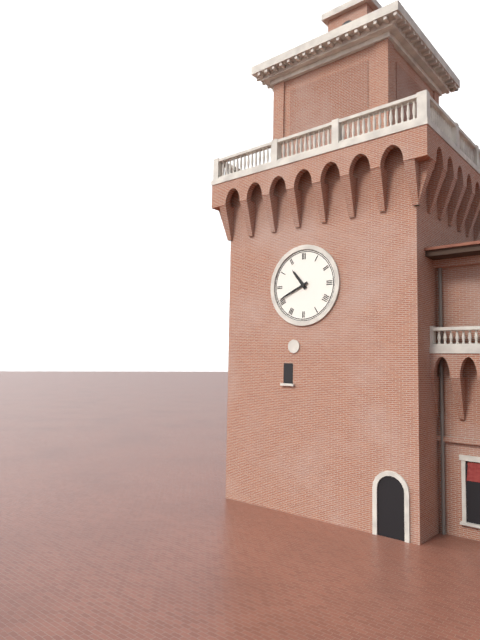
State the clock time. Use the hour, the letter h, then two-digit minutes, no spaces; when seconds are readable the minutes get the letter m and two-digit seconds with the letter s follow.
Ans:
10h41
